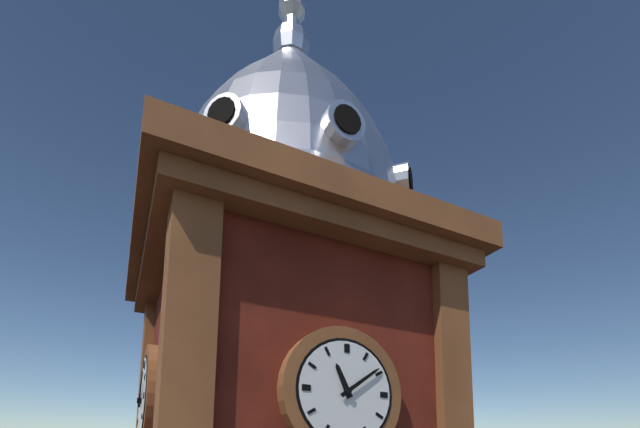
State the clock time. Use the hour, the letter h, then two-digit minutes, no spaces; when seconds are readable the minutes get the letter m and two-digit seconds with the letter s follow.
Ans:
11h09
